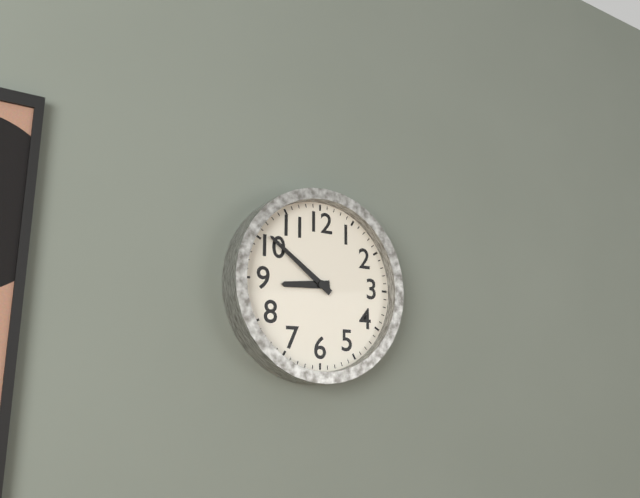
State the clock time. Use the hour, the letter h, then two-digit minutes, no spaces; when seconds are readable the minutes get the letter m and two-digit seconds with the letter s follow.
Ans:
8h51
